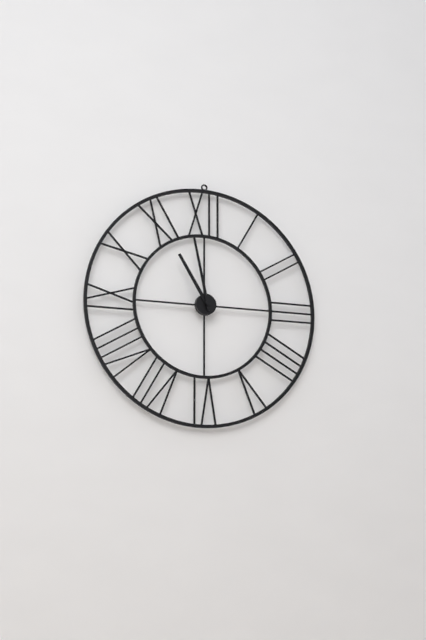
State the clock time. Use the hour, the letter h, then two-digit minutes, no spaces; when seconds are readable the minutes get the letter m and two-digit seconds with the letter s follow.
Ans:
10h58
